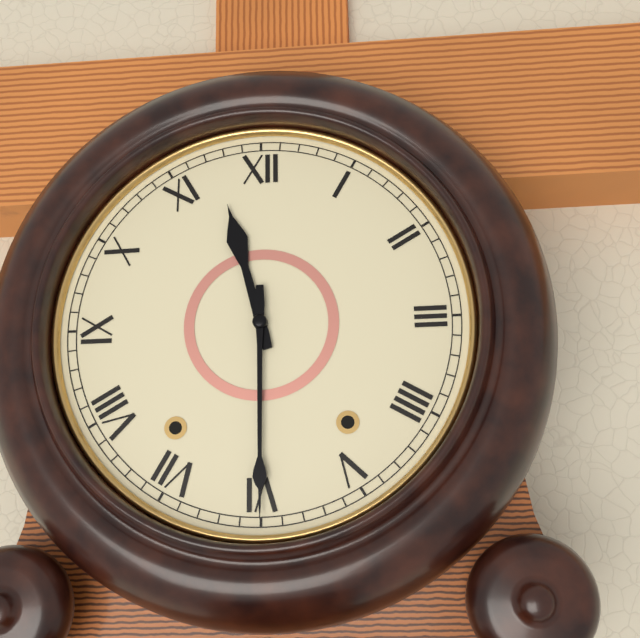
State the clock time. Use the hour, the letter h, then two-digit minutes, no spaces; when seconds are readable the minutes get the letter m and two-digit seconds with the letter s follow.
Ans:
11h30
